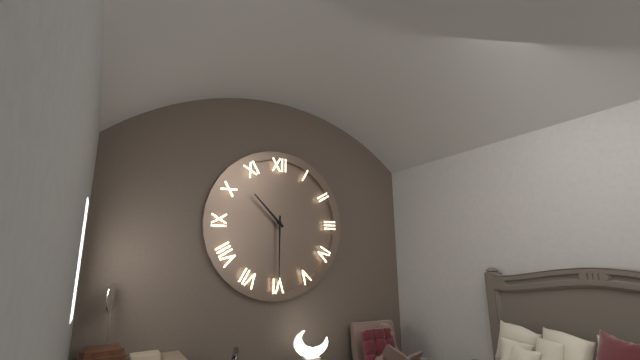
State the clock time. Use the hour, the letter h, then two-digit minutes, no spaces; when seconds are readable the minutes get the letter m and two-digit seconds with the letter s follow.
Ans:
10h30
